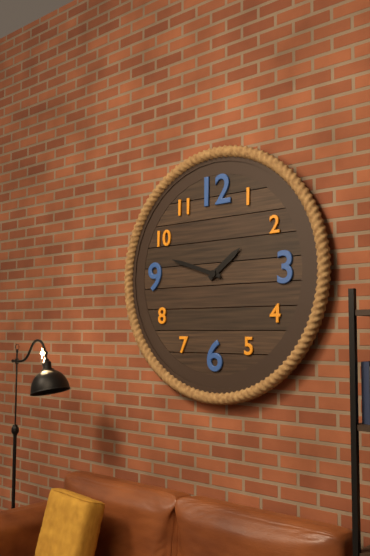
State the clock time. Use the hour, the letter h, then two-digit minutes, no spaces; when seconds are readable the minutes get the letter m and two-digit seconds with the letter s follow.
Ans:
1h48
